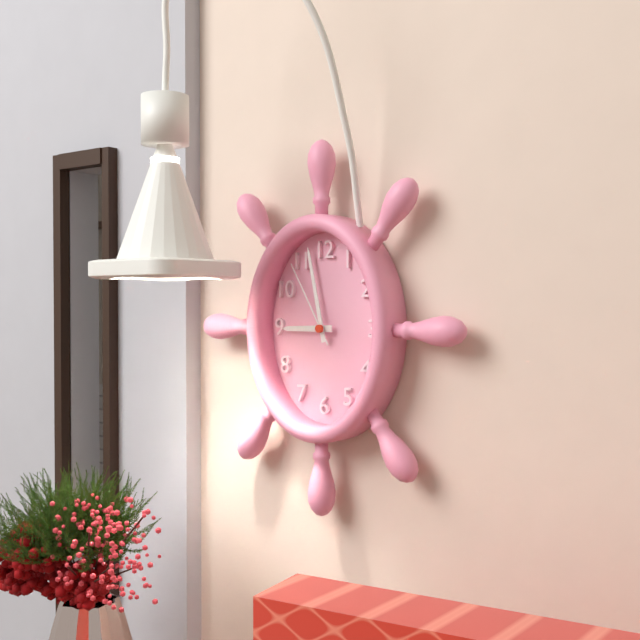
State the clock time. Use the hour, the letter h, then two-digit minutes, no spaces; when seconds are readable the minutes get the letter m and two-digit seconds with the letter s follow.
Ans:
8h58m55s
